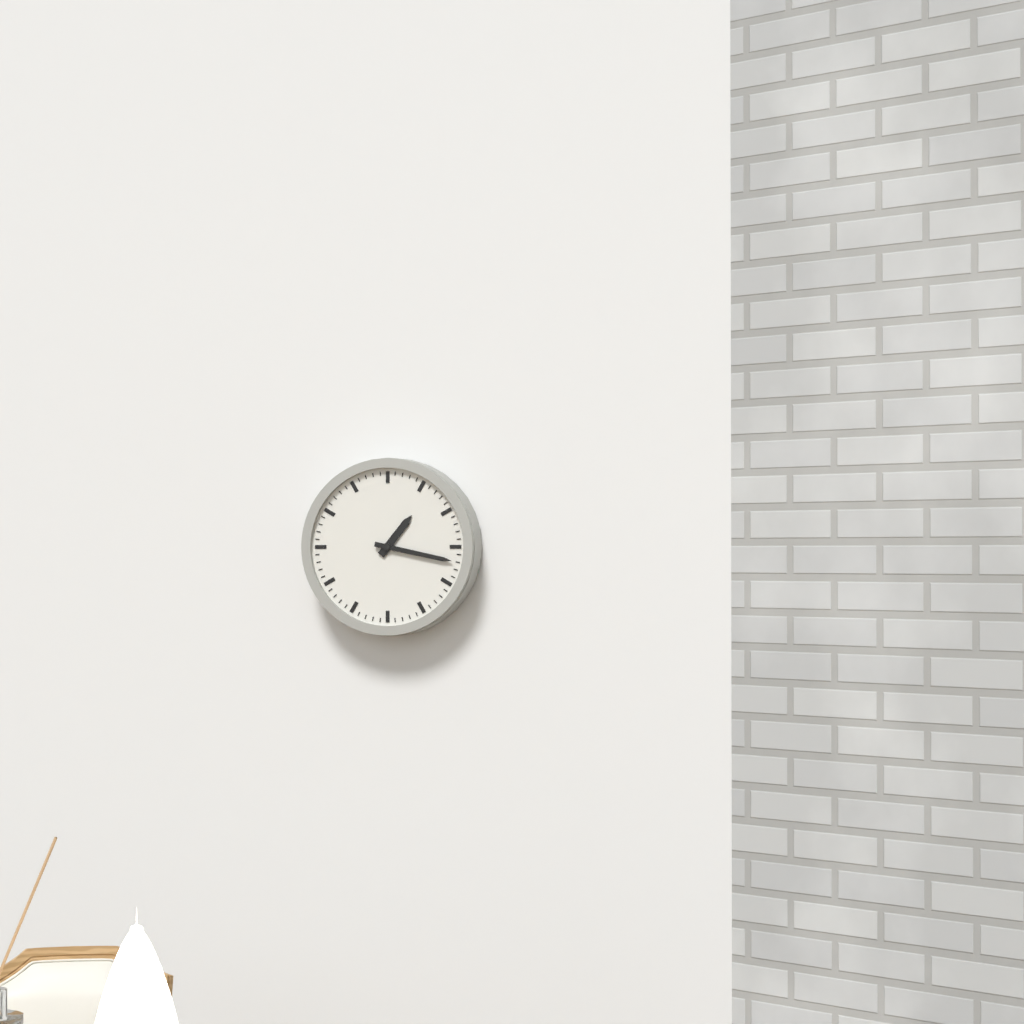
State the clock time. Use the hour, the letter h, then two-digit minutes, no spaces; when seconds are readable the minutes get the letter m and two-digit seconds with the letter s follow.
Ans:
1h17
